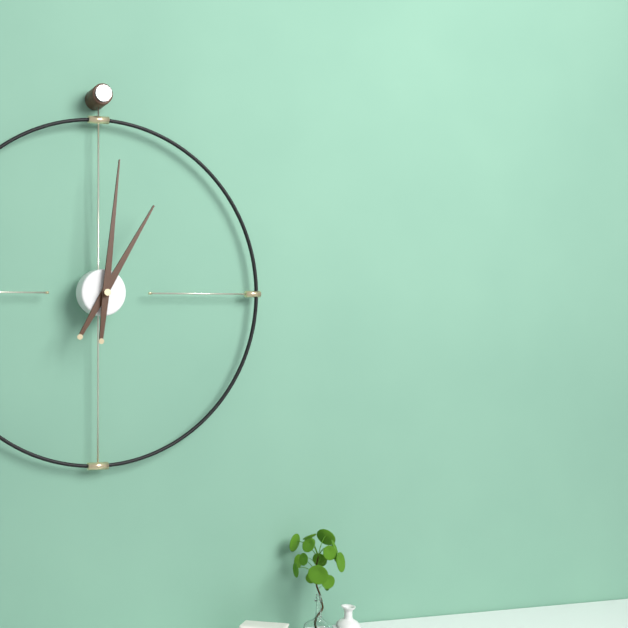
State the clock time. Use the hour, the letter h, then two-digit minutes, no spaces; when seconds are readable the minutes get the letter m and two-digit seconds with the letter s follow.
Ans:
1h01
